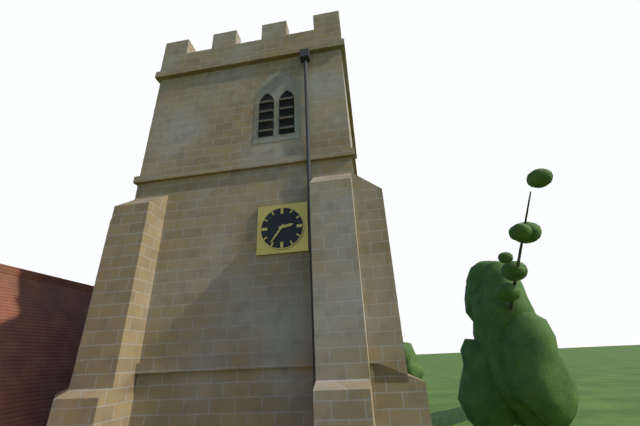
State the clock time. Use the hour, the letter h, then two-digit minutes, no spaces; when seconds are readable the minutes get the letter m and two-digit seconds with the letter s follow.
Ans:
2h36
